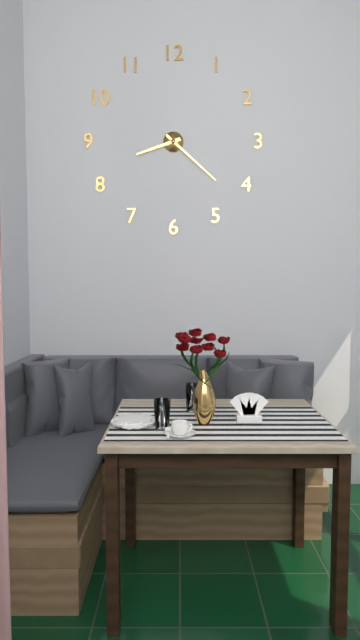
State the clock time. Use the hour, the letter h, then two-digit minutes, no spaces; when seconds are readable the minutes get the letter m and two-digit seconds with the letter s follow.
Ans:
8h22
